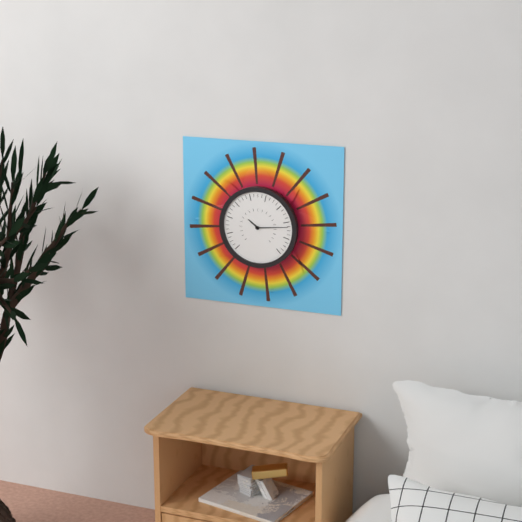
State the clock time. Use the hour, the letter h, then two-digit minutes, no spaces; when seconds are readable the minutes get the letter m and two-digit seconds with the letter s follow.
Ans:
10h14
